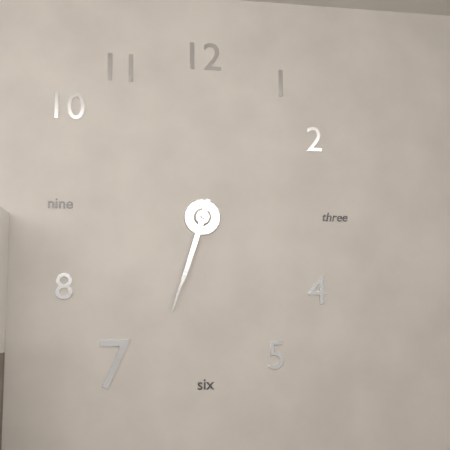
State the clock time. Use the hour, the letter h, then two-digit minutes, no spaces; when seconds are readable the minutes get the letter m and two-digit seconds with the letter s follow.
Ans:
6h33
